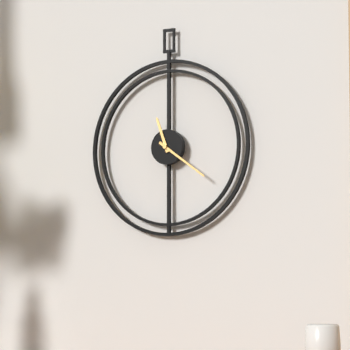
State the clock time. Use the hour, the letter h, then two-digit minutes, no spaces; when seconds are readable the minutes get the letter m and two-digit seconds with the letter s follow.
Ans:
11h21
